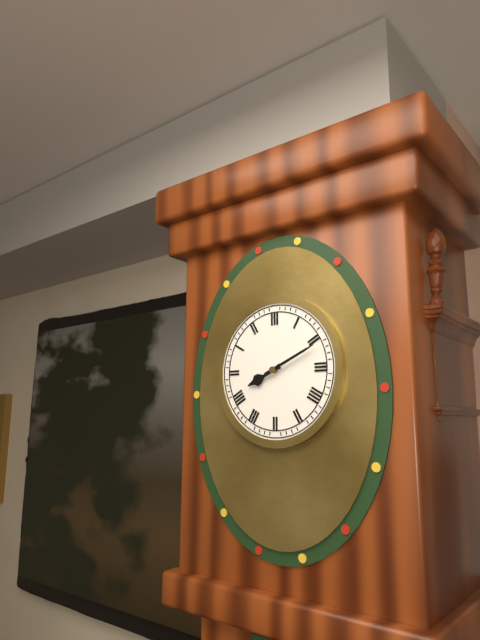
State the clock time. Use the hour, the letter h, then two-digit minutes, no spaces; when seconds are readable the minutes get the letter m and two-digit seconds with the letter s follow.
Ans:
8h11
